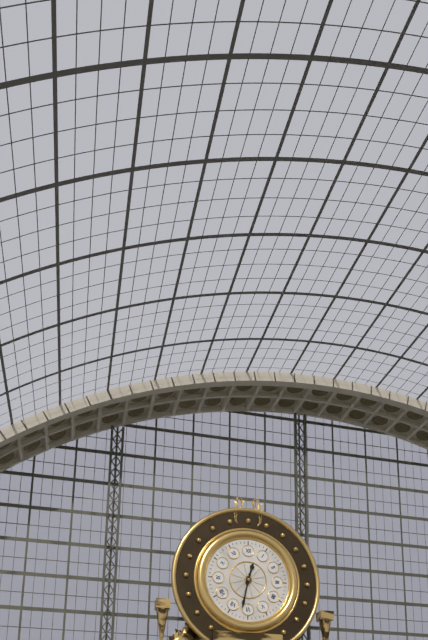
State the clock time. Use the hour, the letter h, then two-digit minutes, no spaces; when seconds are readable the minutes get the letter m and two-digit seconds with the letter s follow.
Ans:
12h32
